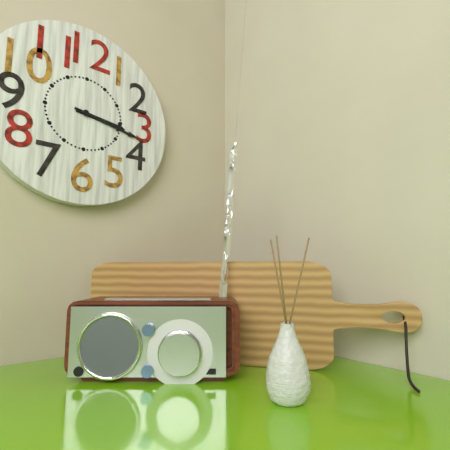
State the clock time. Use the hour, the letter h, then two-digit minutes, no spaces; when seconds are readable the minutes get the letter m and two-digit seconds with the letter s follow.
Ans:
3h17
